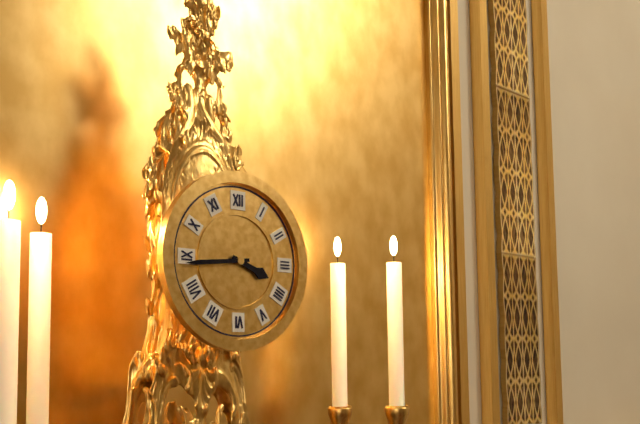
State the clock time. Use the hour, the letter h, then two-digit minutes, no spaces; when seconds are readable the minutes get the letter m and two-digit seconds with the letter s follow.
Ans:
3h44
